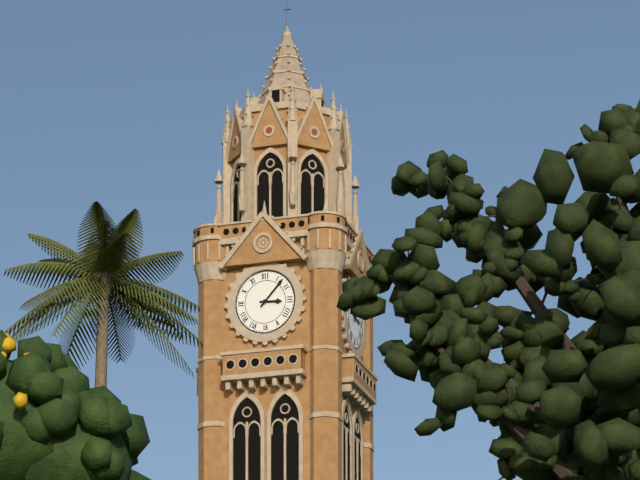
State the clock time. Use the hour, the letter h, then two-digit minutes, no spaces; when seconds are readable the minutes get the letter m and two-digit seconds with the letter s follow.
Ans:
3h07
